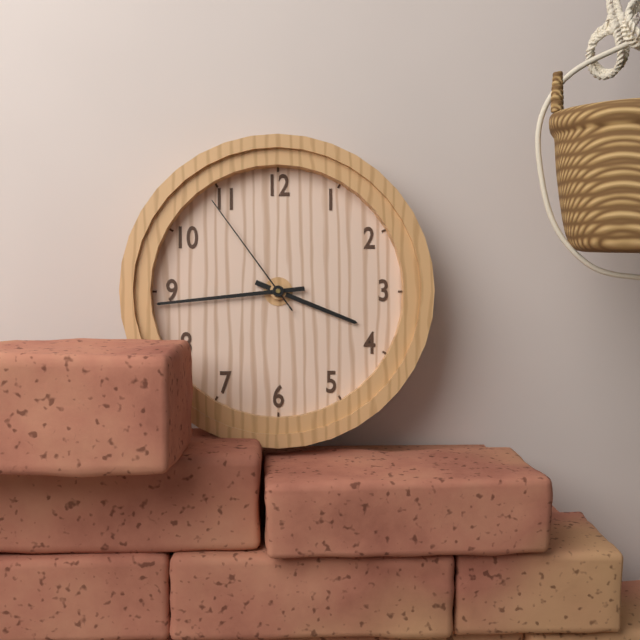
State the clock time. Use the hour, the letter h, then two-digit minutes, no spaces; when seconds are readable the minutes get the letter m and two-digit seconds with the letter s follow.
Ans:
3h44m54s
